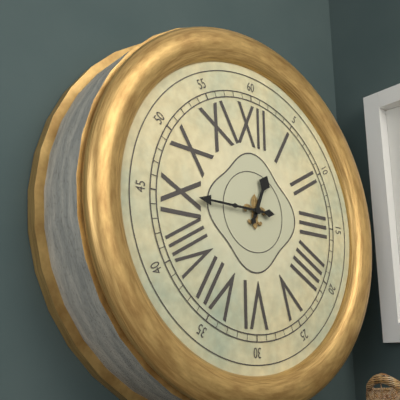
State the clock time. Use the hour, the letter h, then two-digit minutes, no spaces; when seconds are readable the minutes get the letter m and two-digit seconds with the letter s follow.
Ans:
12h45
